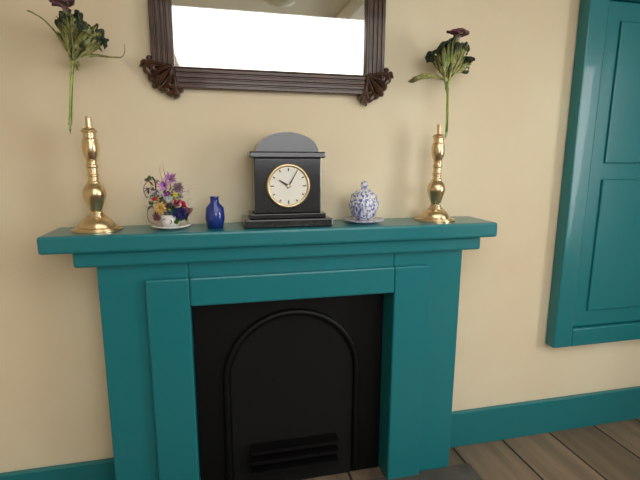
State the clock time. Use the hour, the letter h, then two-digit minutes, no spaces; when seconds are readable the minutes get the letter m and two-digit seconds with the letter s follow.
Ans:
10h05
